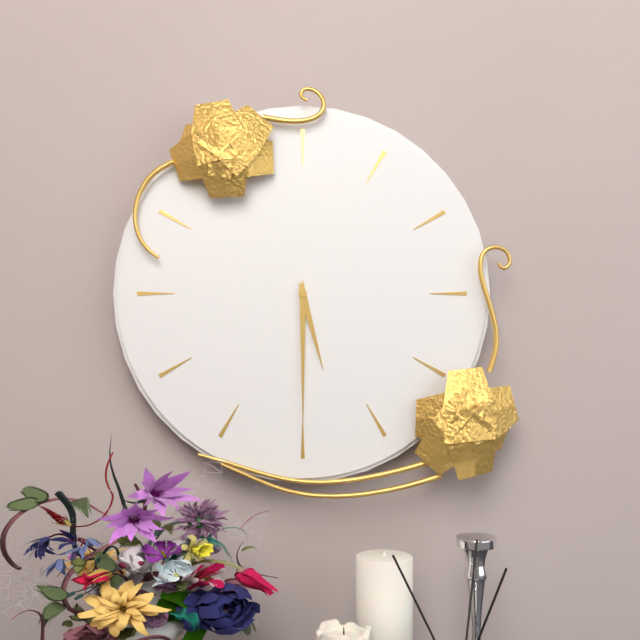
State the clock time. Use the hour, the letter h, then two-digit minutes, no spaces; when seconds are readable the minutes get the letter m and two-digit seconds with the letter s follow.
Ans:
5h30
